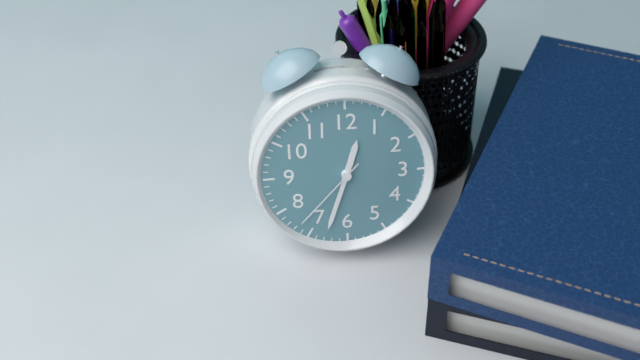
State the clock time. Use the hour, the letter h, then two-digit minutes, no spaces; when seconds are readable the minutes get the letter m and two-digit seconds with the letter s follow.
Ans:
12h33m37s
